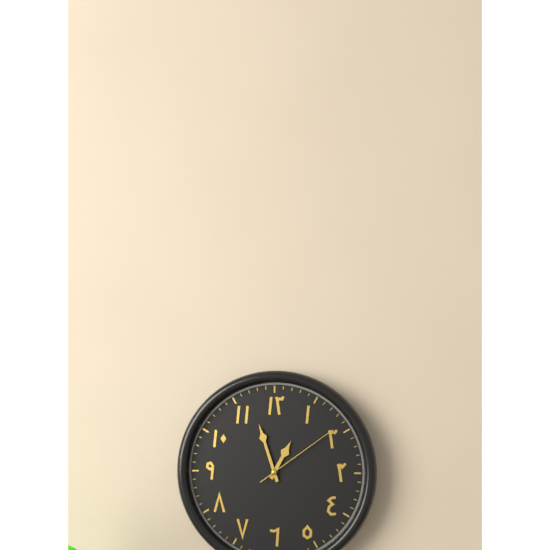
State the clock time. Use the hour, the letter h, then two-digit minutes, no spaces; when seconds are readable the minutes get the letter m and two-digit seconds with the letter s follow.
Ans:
12h57m09s
